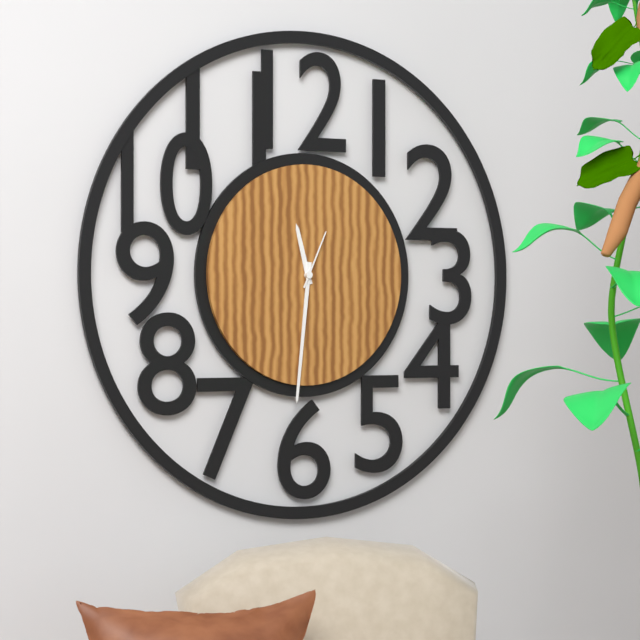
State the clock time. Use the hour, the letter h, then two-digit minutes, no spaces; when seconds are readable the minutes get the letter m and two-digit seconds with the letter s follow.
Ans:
11h31m04s
